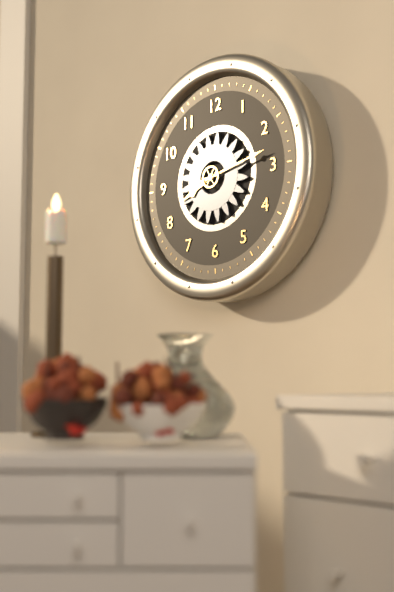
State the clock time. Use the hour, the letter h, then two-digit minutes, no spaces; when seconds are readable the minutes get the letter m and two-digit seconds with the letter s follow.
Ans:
8h13
